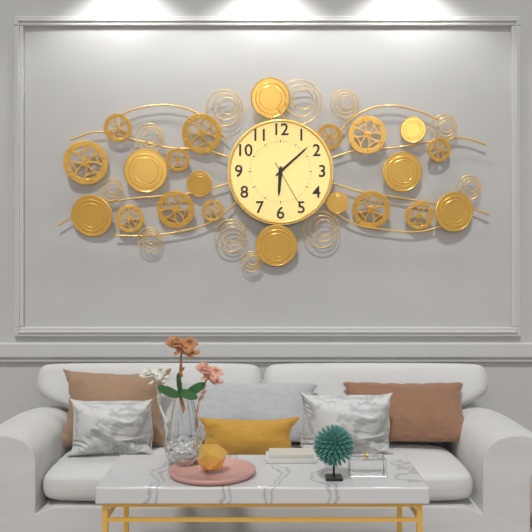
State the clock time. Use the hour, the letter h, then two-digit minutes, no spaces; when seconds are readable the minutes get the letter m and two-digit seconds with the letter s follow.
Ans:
6h08m25s
